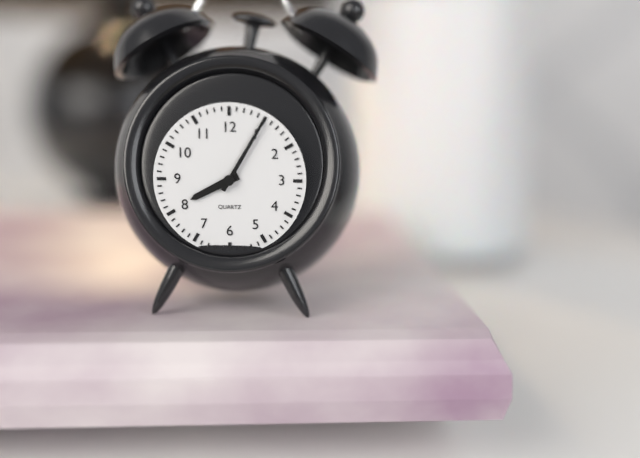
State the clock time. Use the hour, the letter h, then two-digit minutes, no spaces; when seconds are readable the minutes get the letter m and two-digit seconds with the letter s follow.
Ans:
8h05
